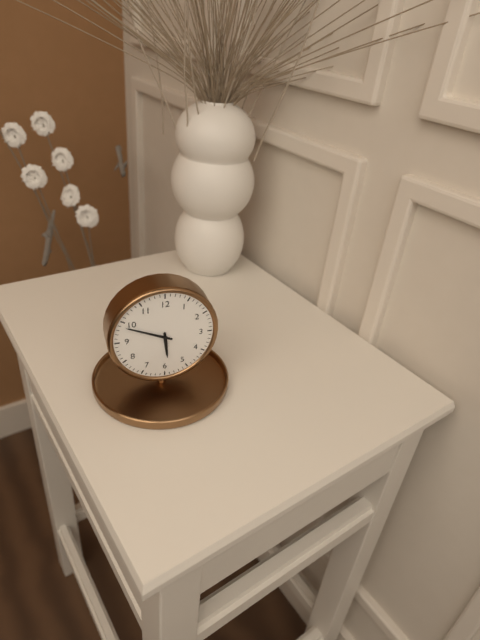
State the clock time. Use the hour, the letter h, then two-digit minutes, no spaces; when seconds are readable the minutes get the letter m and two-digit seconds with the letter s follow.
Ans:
5h49
